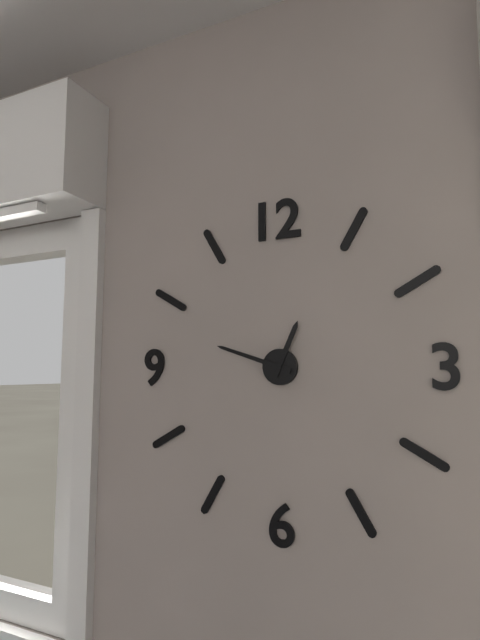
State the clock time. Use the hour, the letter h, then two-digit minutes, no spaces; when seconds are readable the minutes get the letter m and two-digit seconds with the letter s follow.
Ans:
12h48
